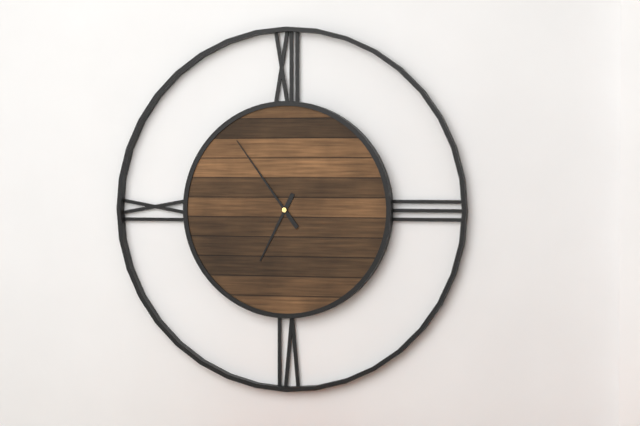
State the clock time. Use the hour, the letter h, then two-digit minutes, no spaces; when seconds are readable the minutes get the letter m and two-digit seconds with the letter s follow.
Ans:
6h54
